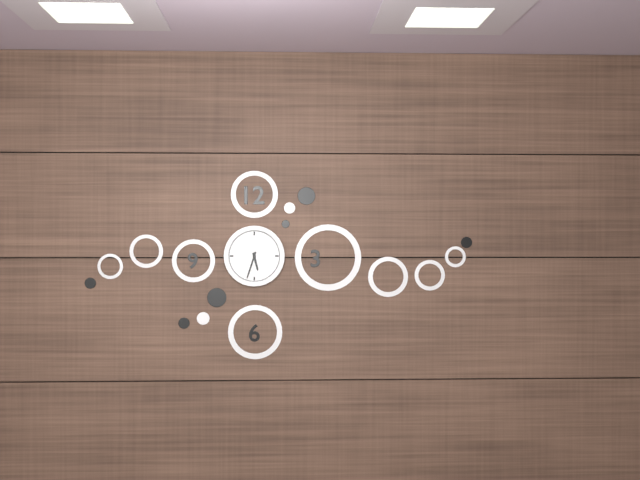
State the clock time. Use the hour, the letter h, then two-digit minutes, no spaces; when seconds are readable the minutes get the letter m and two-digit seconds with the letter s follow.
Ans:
5h33
